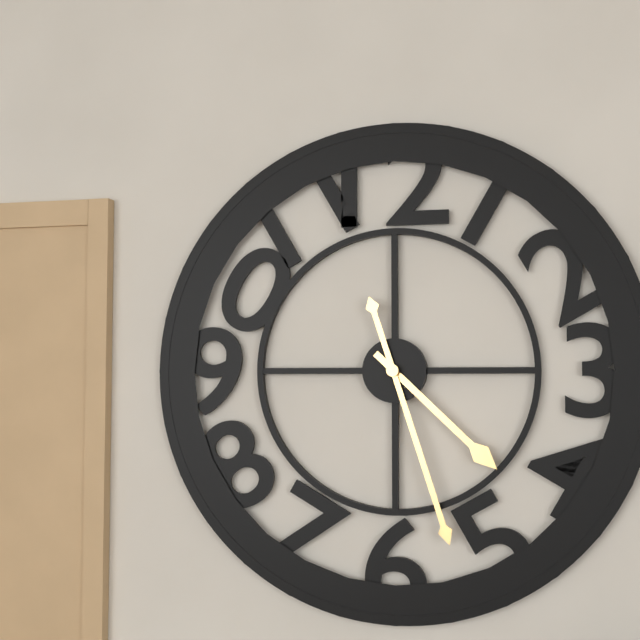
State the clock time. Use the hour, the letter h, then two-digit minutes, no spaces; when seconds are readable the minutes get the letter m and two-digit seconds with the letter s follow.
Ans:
4h27
